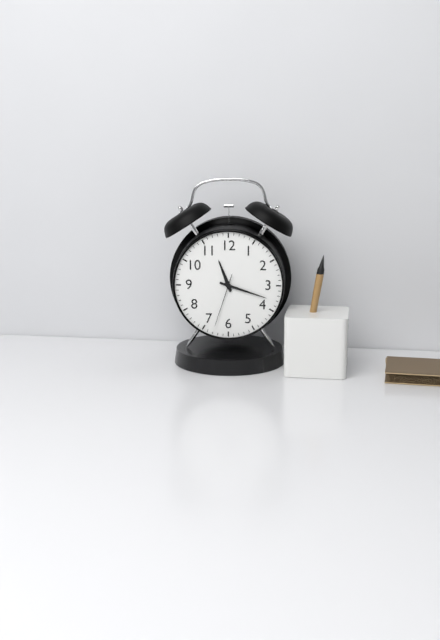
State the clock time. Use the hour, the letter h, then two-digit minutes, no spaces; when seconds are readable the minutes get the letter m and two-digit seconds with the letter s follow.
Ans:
11h18m33s
